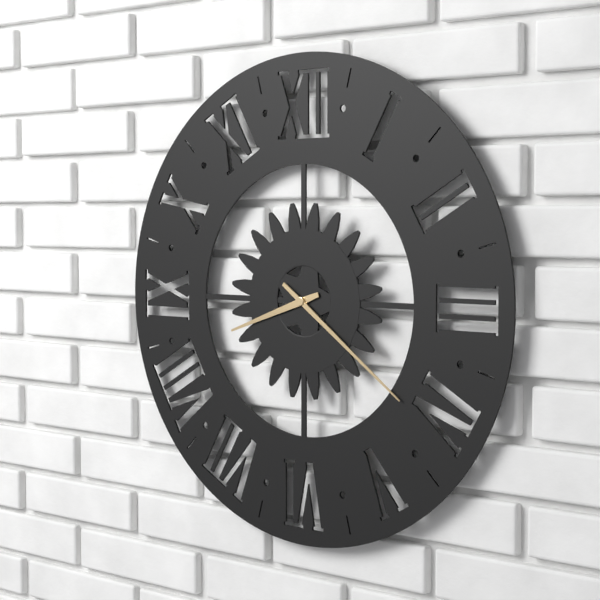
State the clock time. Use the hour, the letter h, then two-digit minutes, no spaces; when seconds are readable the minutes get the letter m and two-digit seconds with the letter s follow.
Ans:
8h21
